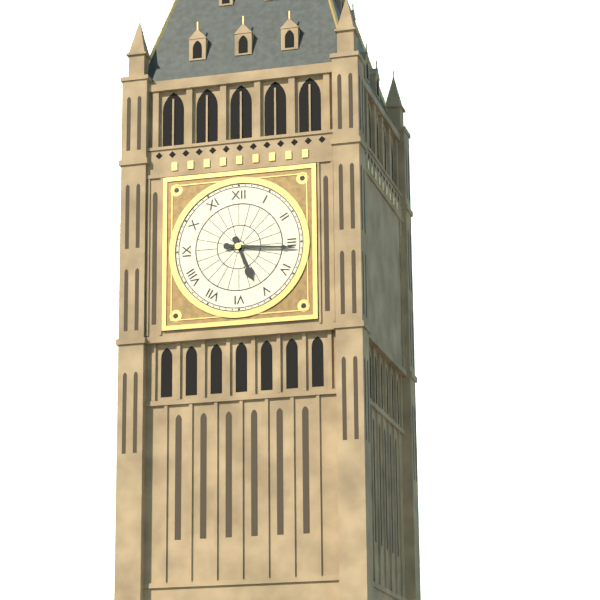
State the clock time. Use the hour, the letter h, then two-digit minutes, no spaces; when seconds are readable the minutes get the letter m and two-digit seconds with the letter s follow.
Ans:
5h16
